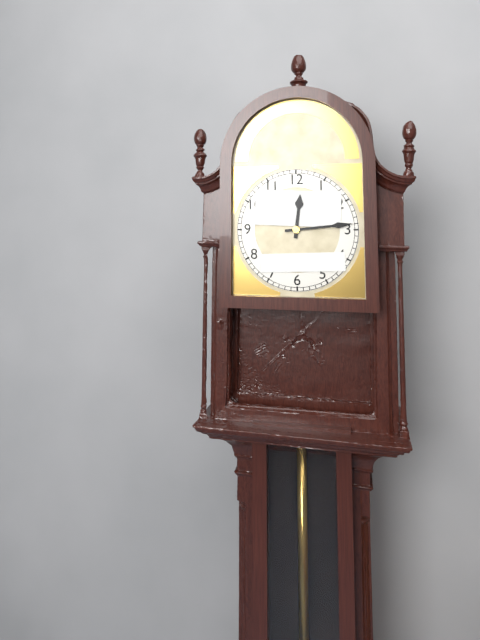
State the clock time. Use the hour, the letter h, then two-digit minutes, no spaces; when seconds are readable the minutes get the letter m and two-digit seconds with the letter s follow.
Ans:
12h14
